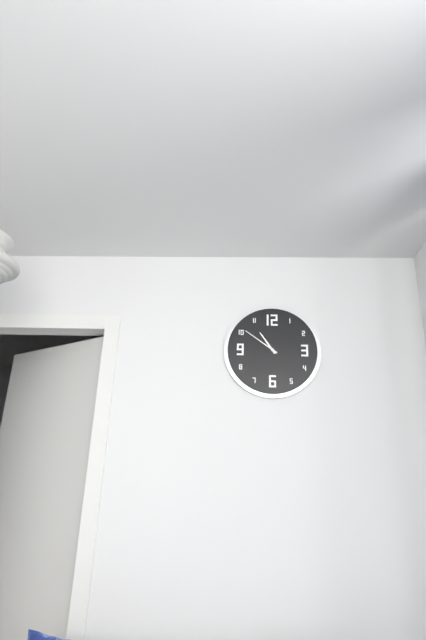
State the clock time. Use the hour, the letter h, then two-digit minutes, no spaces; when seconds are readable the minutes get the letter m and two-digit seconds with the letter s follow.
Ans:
10h51
